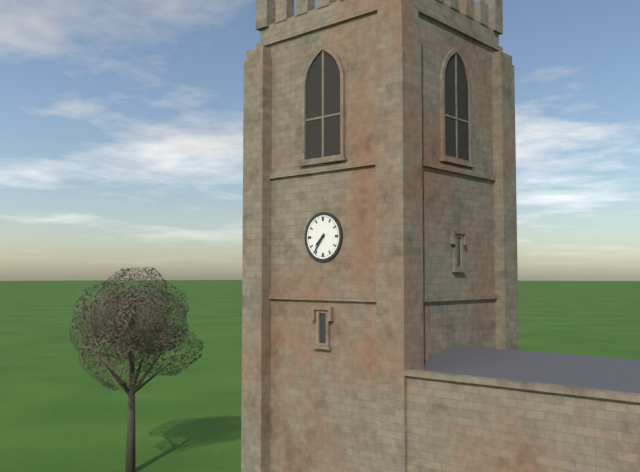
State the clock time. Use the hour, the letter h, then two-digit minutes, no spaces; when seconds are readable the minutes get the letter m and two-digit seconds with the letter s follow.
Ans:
7h36
